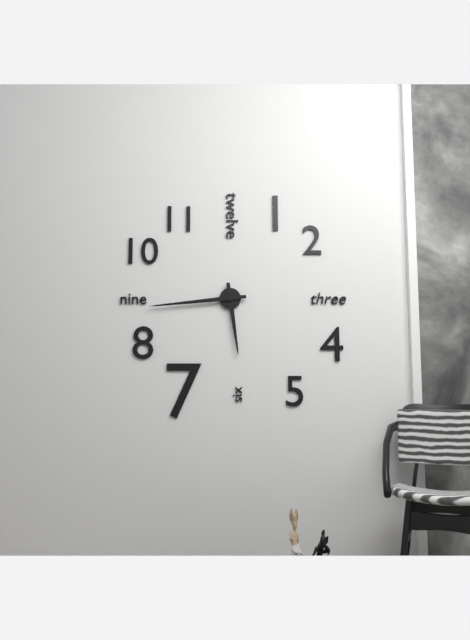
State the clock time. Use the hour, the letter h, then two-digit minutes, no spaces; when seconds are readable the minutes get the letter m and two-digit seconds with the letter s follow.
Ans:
5h44
